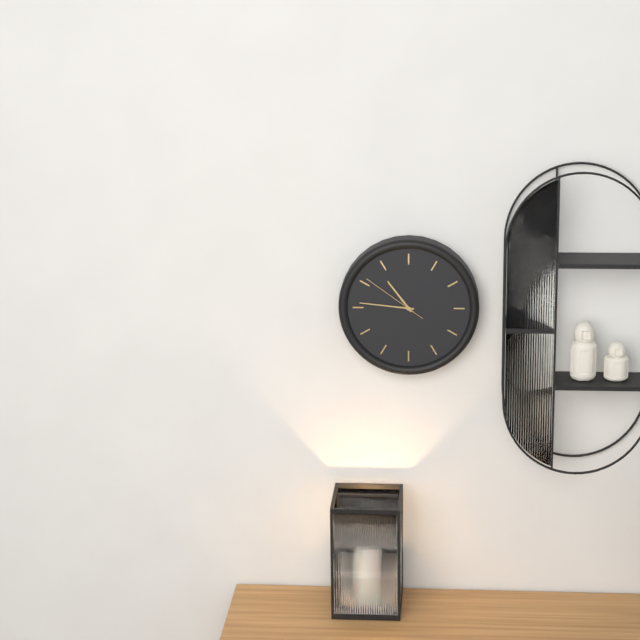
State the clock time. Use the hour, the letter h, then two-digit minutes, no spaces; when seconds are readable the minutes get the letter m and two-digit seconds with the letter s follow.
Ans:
10h46m51s
